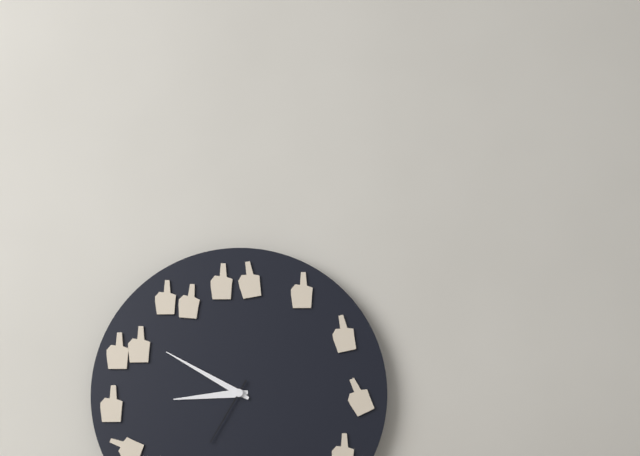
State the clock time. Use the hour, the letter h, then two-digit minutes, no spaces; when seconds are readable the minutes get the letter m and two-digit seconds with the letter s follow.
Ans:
8h50m35s
